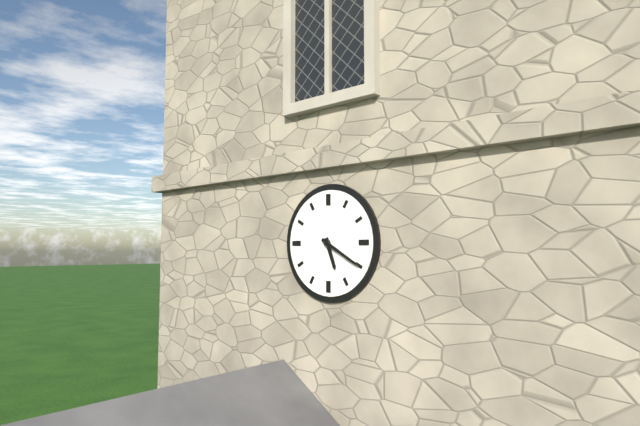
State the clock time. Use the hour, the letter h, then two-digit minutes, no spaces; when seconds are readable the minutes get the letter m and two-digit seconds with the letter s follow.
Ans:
5h20
